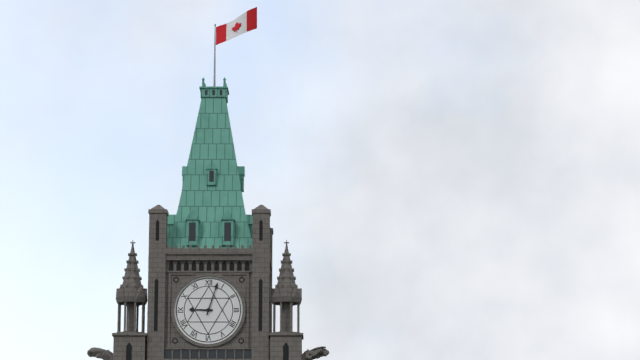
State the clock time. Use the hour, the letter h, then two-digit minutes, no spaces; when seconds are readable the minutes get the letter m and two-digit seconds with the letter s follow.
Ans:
9h03
